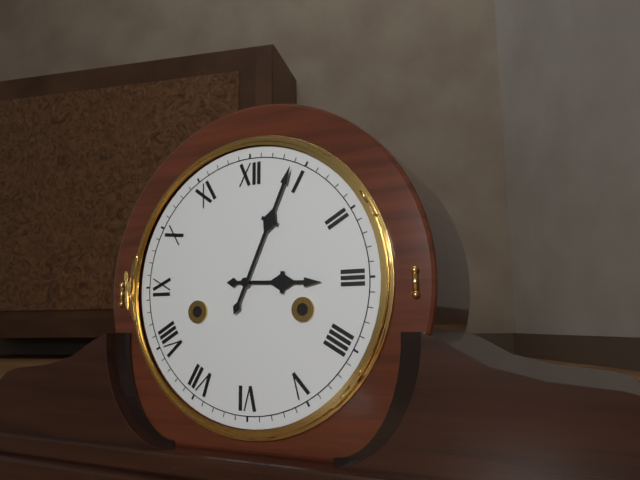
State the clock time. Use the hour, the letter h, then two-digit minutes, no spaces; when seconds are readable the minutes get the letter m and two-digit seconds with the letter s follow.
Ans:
3h04
